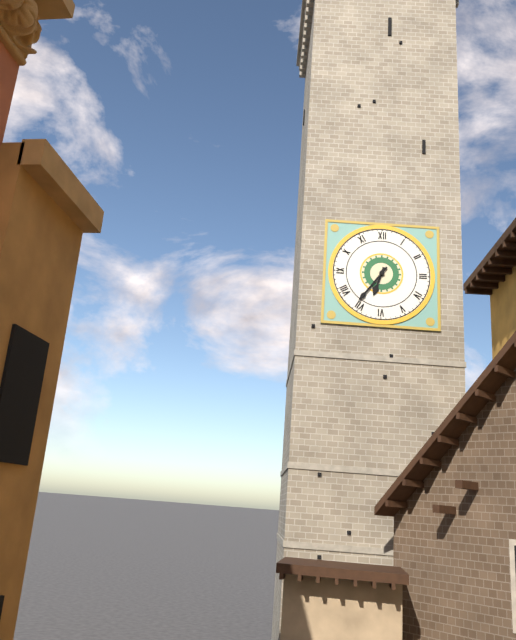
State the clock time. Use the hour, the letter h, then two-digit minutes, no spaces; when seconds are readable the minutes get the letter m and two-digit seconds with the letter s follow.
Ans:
6h36
